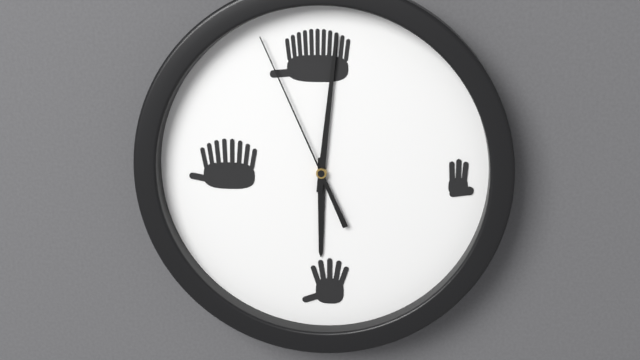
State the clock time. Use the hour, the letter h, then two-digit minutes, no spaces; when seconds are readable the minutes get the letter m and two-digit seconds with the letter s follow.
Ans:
6h01m56s
